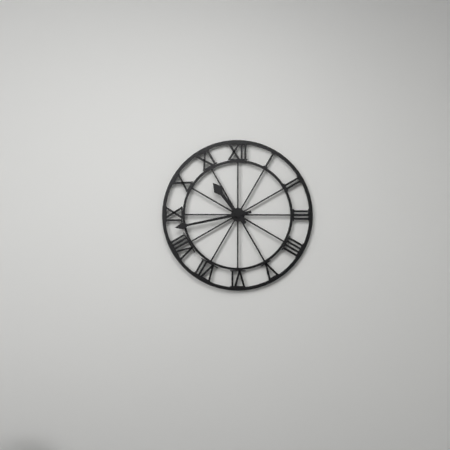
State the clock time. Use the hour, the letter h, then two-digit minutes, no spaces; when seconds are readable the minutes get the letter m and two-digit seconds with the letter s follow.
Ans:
10h43
